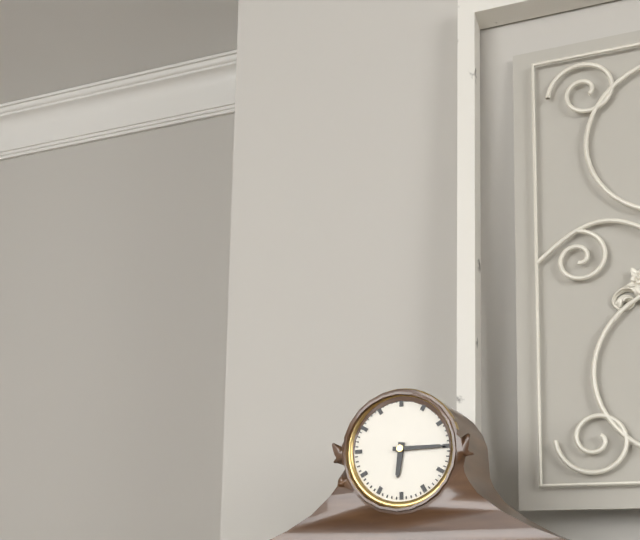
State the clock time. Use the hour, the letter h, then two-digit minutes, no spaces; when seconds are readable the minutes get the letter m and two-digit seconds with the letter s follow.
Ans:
6h15
